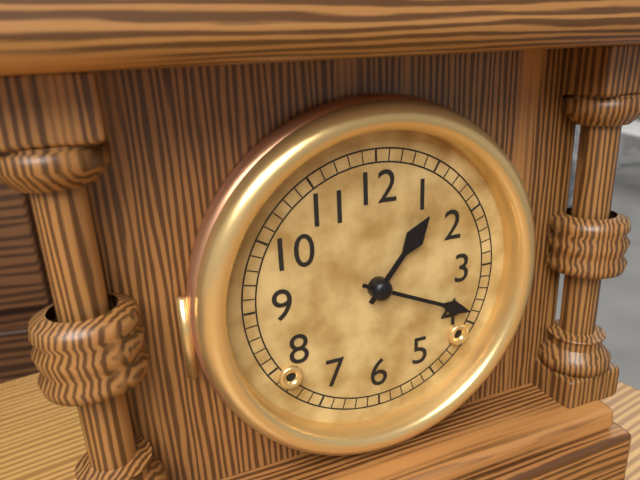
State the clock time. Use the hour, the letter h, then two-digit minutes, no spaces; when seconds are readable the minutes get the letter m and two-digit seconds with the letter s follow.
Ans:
1h19
